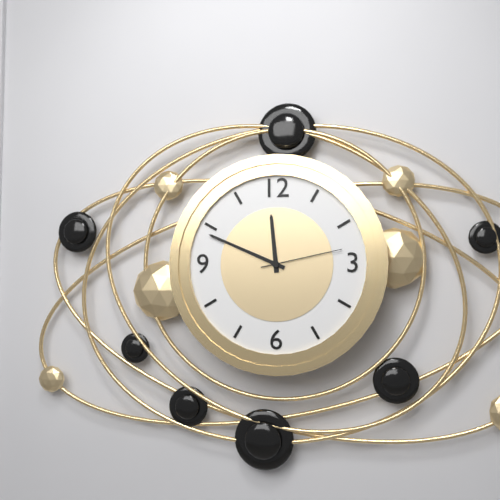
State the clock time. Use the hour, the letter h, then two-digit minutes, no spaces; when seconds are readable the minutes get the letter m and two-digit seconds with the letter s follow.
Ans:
11h49m13s
